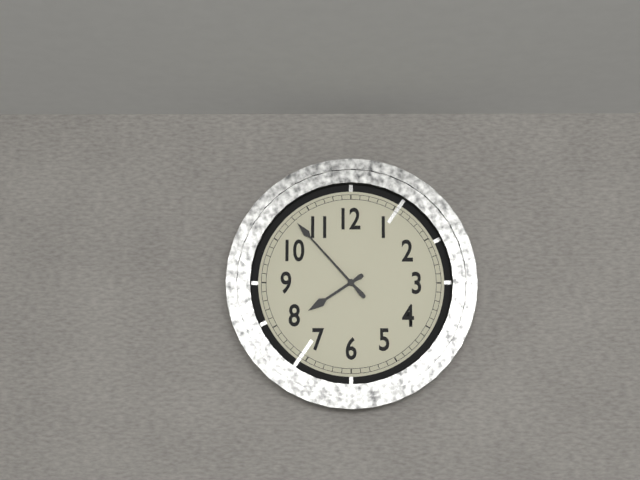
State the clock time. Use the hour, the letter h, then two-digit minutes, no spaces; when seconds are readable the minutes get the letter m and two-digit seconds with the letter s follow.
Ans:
7h53
